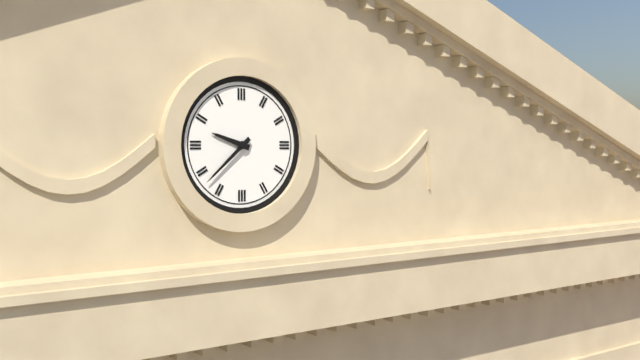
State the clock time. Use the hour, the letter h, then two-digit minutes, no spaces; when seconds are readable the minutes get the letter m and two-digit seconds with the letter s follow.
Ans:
9h38
